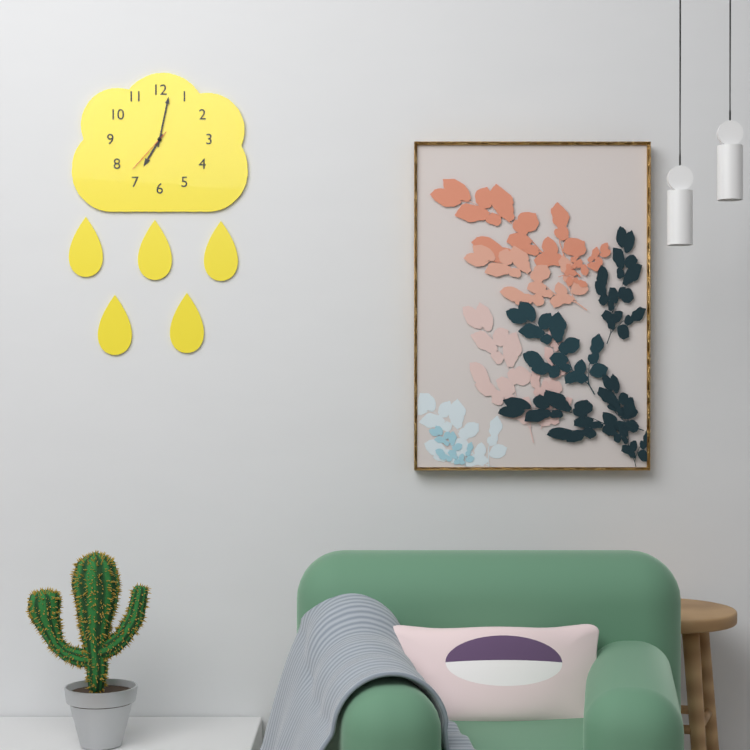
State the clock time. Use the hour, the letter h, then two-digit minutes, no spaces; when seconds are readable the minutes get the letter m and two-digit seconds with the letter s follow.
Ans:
7h02m37s
